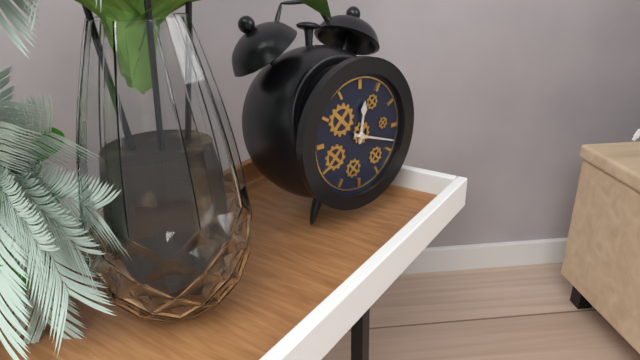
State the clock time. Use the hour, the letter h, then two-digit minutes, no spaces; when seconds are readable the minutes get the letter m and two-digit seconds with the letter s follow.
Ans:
12h18
